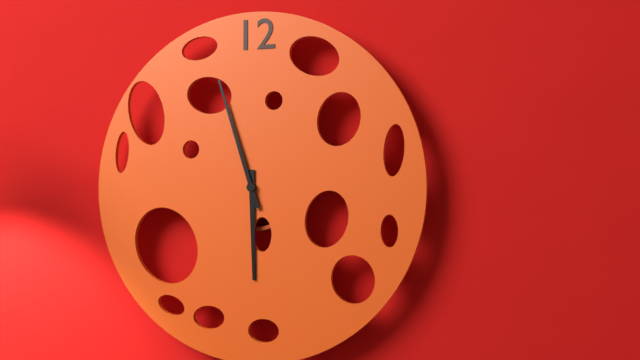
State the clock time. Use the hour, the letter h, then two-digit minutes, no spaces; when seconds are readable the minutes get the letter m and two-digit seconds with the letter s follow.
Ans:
5h57
